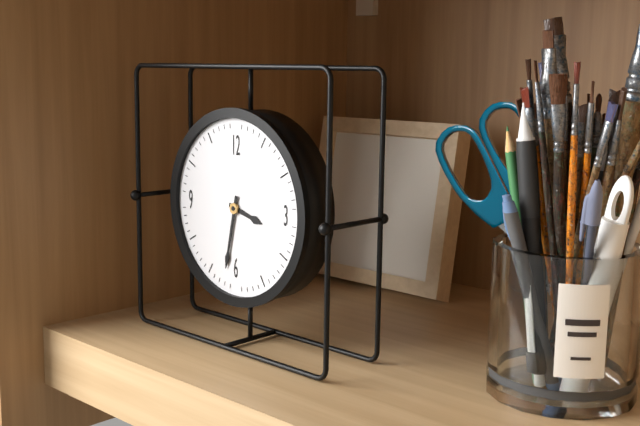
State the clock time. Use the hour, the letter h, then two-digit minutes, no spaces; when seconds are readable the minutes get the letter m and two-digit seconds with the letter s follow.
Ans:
3h32
